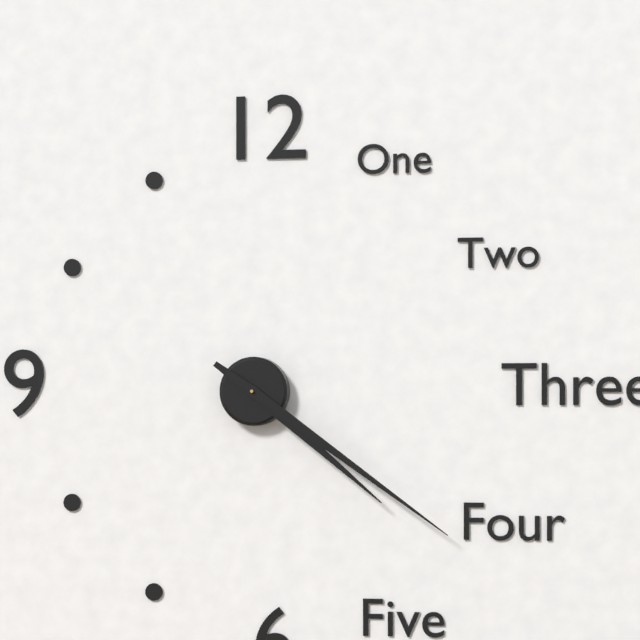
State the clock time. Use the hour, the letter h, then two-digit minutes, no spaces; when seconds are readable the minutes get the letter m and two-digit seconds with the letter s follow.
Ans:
4h21
